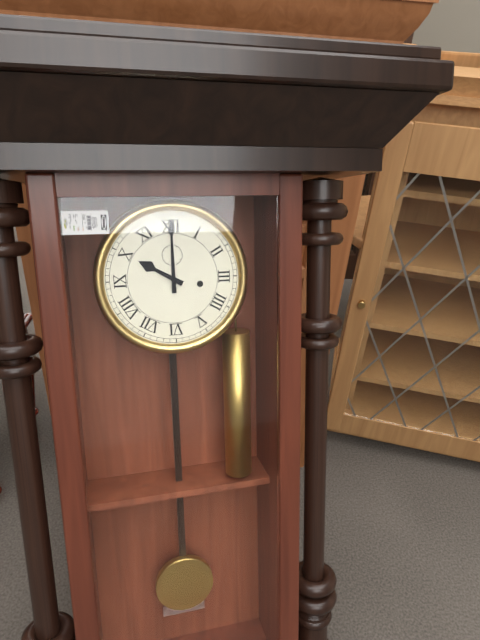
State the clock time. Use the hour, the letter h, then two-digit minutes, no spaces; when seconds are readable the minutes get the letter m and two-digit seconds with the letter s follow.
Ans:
10h00
